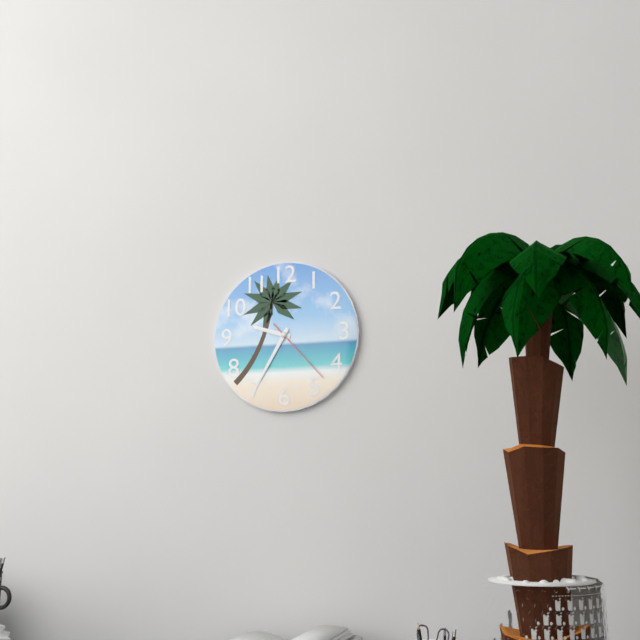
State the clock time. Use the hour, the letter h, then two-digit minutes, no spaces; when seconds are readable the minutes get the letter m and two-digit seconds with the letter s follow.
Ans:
9h35m23s
